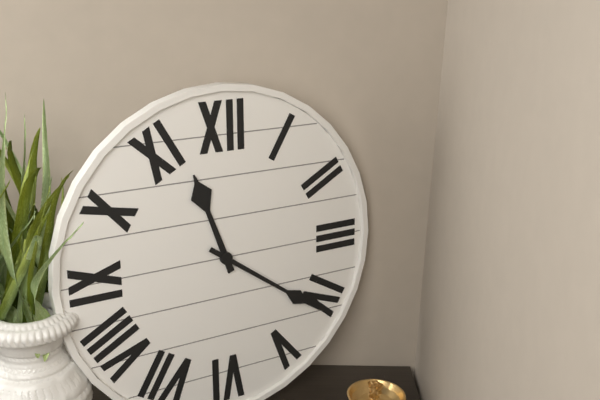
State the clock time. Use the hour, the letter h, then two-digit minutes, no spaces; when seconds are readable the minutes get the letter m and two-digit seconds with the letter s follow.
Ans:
11h21
